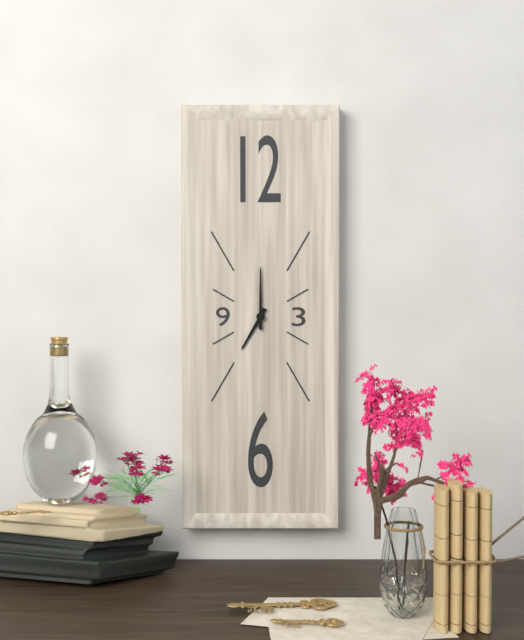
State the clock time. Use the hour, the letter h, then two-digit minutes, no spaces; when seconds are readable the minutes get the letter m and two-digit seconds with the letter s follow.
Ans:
7h00
